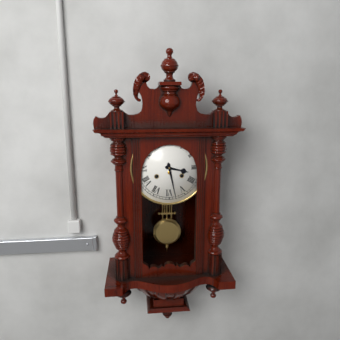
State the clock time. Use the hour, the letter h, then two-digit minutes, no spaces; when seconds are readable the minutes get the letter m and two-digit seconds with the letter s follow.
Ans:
3h28
